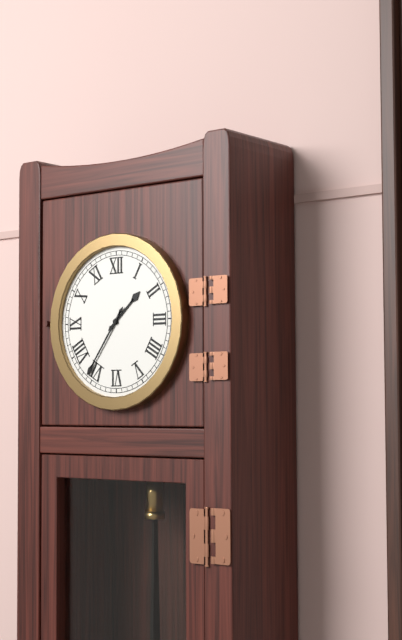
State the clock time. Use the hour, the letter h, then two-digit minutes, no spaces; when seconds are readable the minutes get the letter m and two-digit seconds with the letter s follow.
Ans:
1h36
